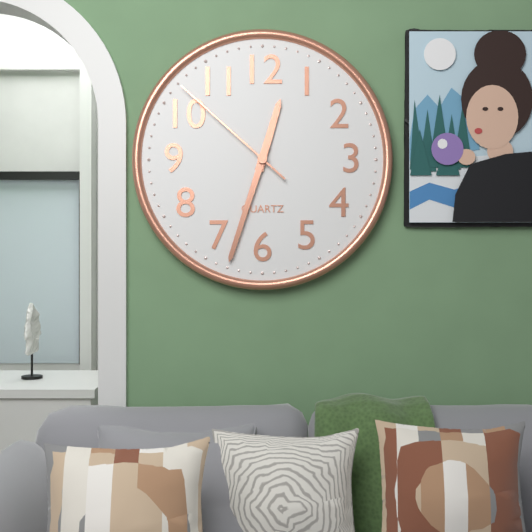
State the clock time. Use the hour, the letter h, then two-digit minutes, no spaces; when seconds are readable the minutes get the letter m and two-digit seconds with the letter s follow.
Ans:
12h33m52s
